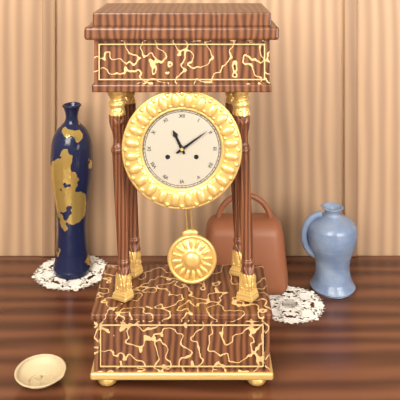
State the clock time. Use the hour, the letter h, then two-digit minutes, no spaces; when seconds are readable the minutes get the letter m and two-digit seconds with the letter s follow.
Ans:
11h09
